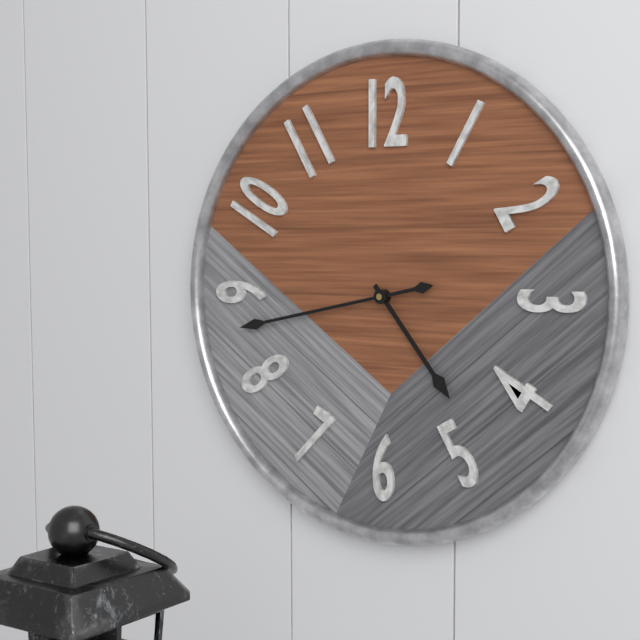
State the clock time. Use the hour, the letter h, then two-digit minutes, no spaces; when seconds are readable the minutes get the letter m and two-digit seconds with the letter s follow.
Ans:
4h43
